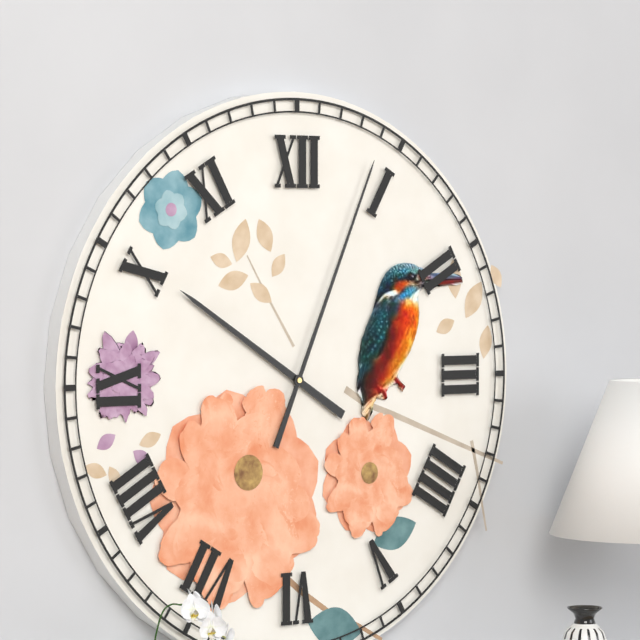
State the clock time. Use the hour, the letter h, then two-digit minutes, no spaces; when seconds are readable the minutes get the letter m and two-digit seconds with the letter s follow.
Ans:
10h04
